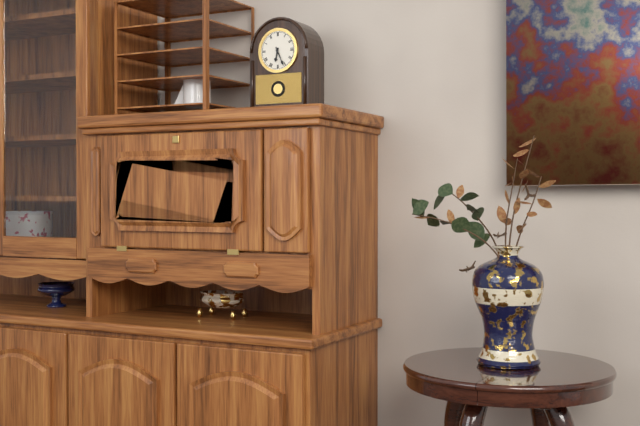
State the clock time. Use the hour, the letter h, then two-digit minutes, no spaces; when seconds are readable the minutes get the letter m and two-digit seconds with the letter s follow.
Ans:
6h26
